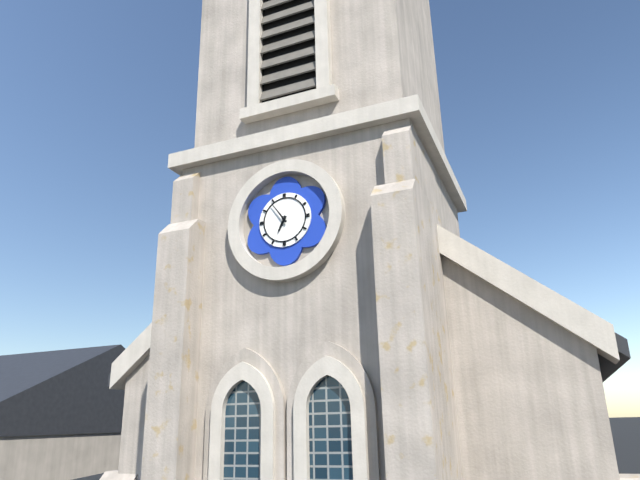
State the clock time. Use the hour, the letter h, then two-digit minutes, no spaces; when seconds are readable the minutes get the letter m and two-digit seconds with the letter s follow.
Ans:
6h54
